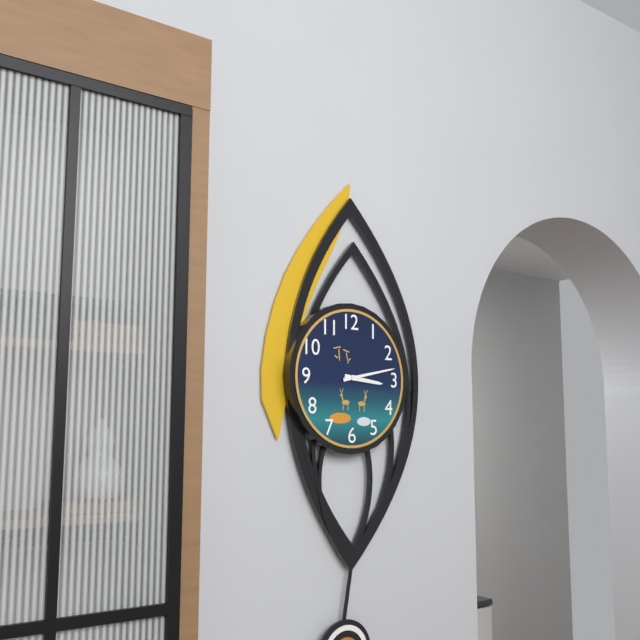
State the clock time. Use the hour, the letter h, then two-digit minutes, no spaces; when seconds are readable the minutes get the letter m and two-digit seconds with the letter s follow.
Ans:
3h13
